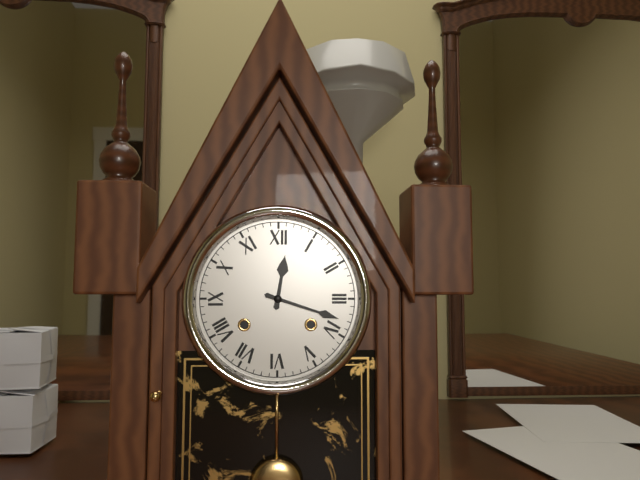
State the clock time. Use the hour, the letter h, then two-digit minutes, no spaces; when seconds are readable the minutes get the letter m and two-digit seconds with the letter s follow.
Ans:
12h18
